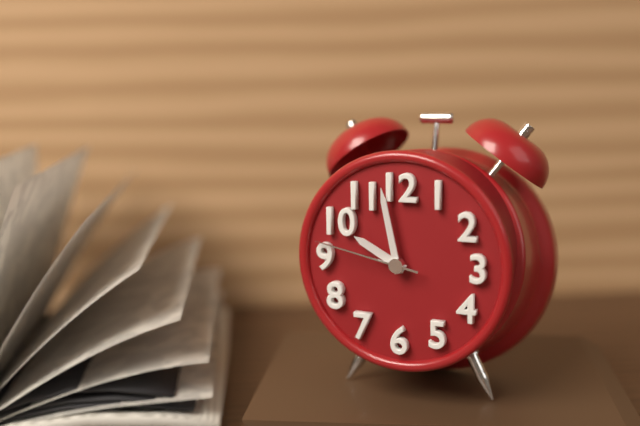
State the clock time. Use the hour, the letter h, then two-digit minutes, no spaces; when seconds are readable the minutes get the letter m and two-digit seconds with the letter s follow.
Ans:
9h58m47s
